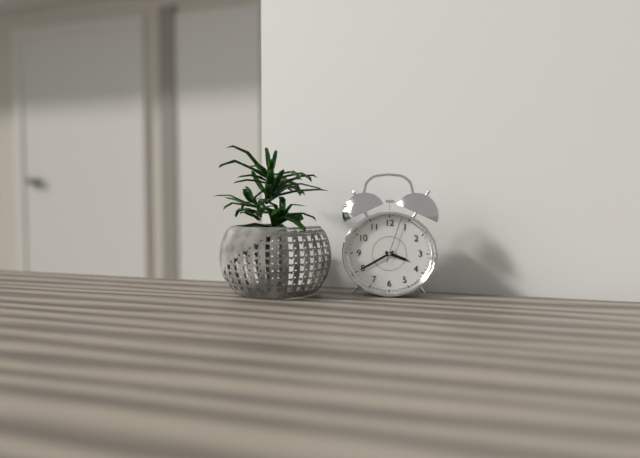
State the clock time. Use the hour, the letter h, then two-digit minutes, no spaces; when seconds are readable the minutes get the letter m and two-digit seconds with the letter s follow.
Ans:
3h40
